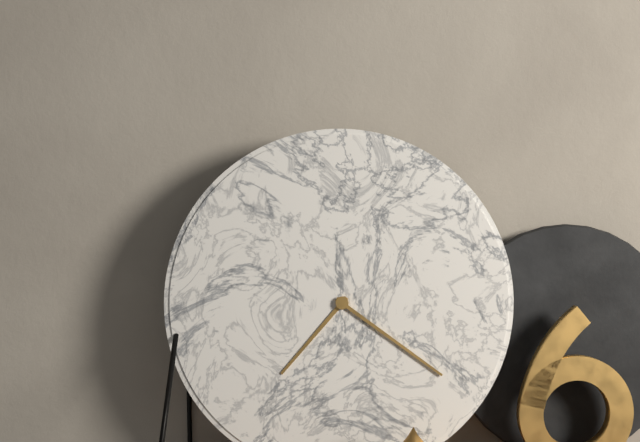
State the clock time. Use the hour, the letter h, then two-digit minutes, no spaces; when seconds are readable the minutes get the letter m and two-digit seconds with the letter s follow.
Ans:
7h21
